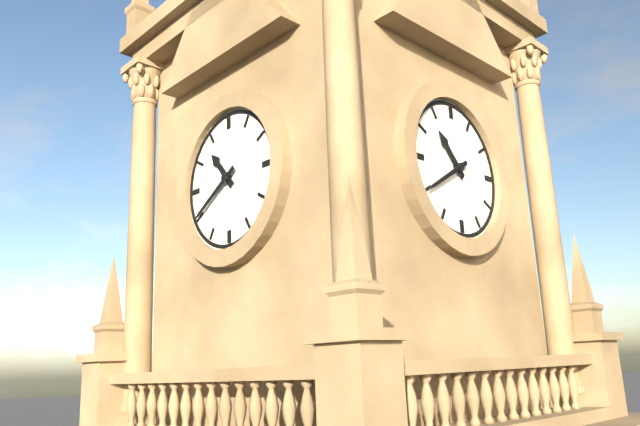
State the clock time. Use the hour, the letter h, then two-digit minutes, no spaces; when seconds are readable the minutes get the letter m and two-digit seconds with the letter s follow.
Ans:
10h40
